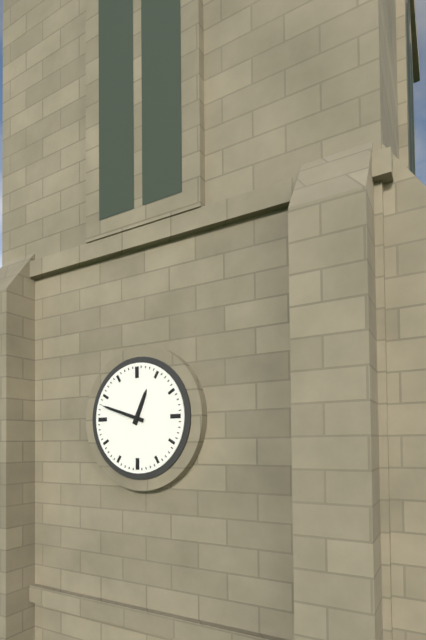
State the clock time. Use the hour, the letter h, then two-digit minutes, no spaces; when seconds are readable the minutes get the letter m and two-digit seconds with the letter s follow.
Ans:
12h48
